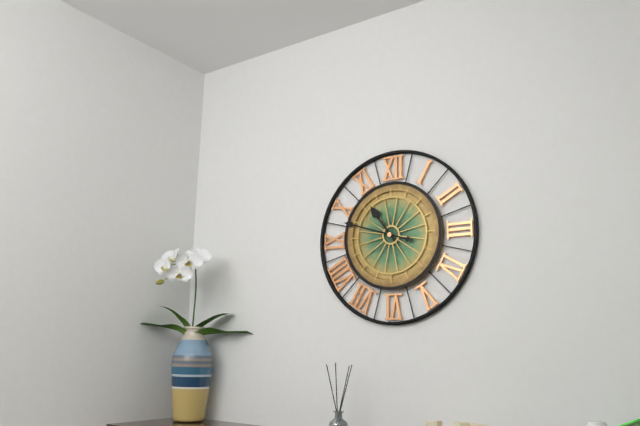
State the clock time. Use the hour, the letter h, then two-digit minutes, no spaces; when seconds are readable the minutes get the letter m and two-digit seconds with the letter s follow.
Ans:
10h48
